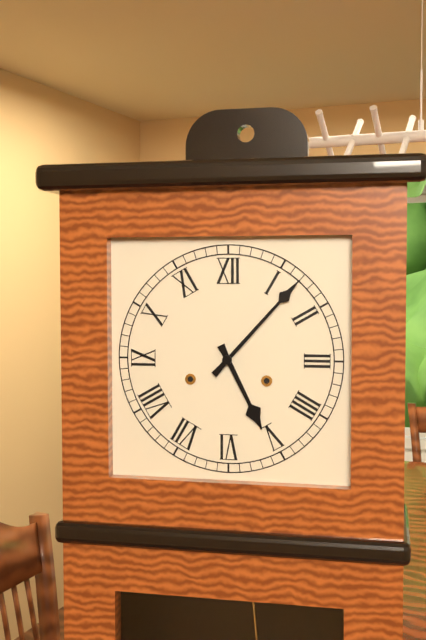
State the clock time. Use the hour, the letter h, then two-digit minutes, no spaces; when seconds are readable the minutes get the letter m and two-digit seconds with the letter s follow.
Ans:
5h07
